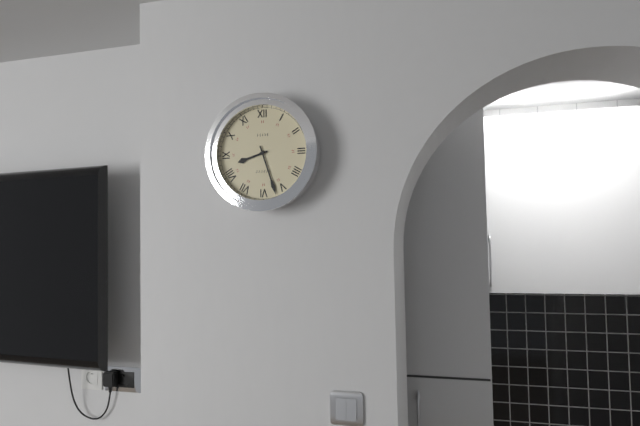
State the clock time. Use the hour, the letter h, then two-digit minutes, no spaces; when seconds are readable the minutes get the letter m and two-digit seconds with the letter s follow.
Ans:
8h27
